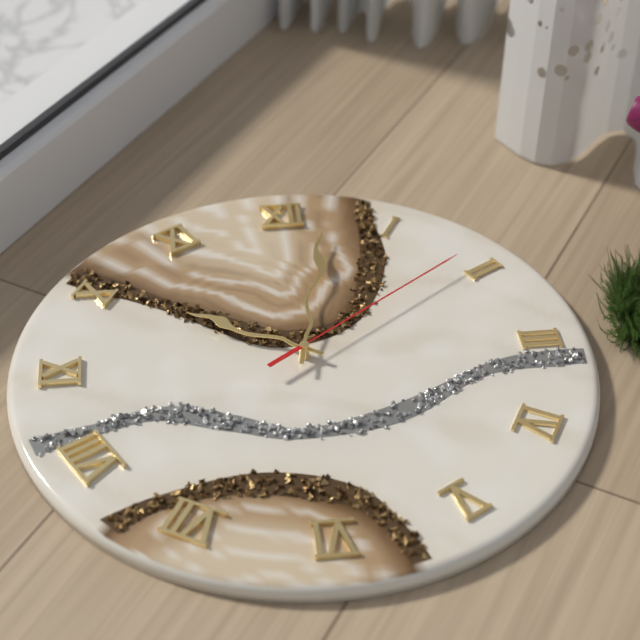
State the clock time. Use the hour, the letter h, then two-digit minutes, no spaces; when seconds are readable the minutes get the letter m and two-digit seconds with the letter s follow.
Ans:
10h02m09s
